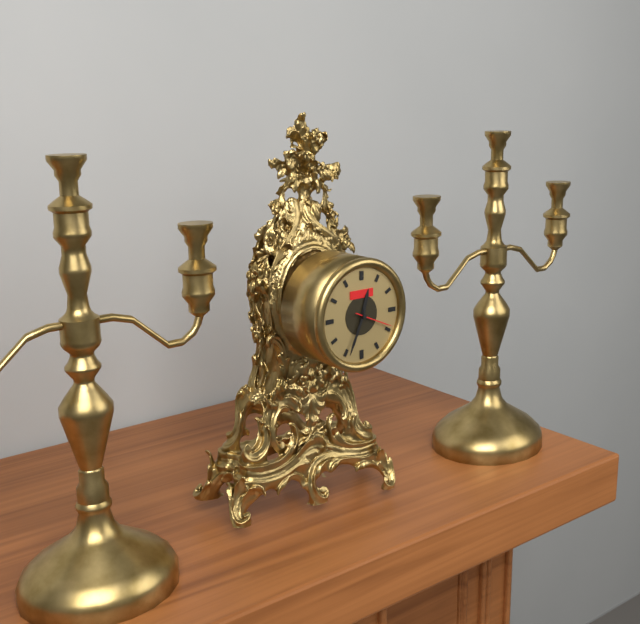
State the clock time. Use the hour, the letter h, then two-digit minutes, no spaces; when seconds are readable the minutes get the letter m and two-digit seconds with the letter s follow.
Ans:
12h34
